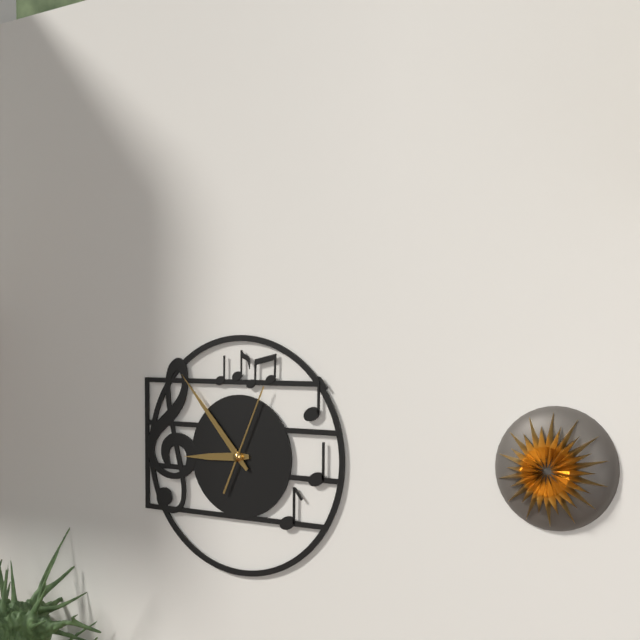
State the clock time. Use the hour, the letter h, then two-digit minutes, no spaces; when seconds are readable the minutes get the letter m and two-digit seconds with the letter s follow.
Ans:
8h53m04s
